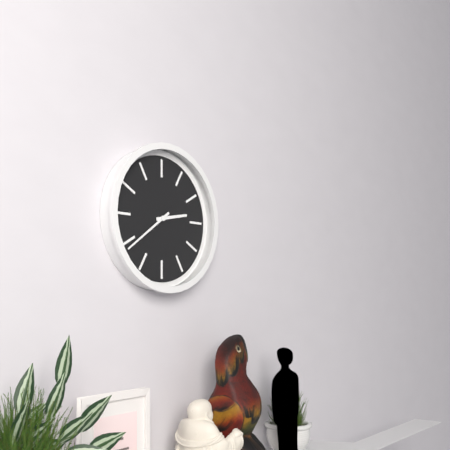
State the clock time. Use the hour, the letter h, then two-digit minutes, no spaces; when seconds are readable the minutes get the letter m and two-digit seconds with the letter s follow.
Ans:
2h39
